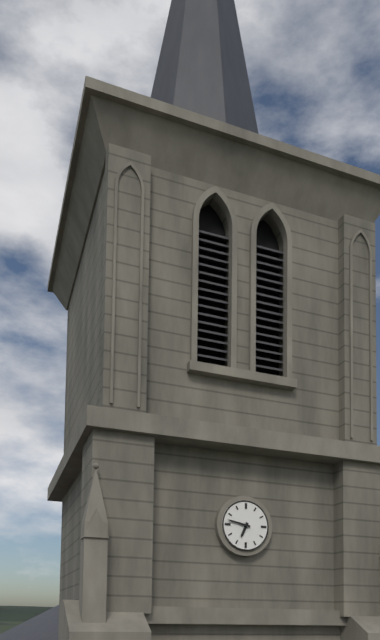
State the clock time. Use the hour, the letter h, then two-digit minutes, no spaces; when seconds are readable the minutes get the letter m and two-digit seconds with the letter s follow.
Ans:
6h47
